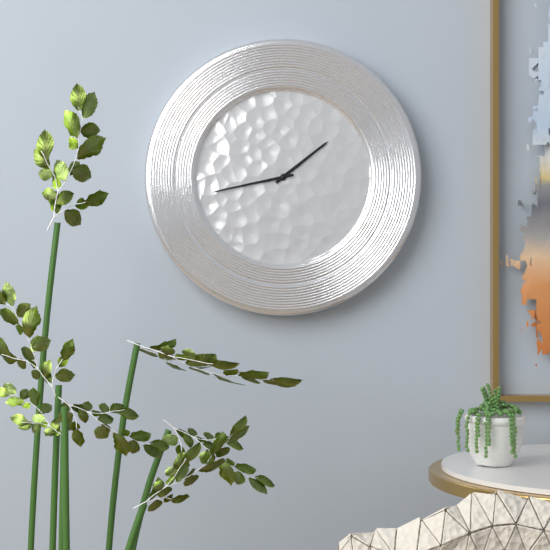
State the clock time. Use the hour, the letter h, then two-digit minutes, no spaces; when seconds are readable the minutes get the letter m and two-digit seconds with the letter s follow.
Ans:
1h43
